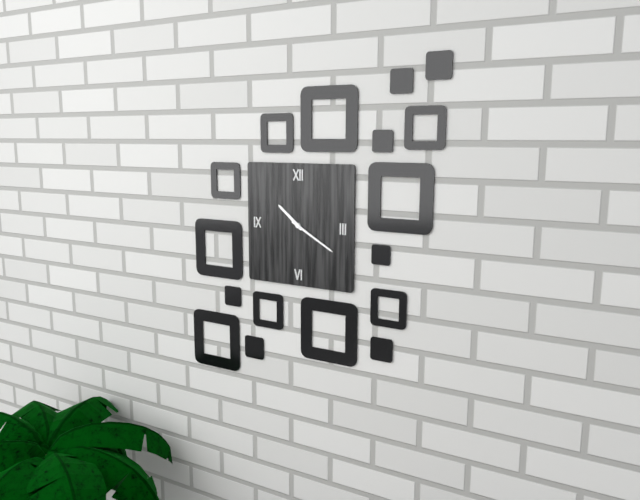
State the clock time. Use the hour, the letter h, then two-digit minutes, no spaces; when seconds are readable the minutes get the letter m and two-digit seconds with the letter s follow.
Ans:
10h20
